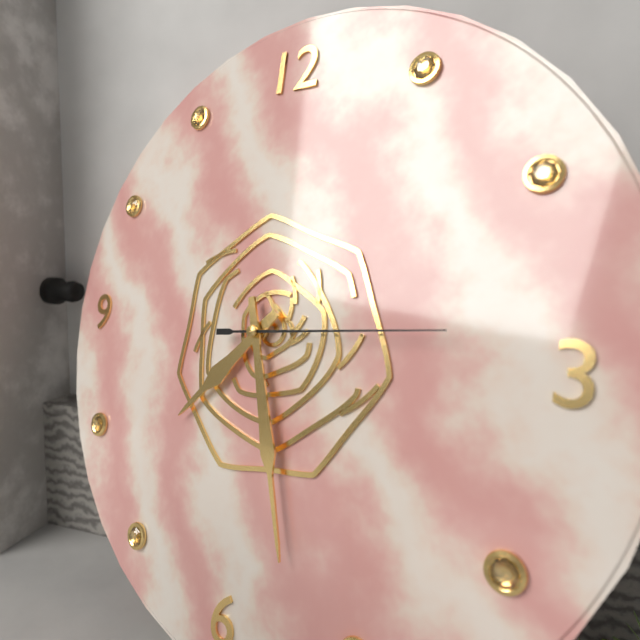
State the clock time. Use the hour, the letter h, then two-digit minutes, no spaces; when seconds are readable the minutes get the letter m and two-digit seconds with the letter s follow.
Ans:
7h27m14s
